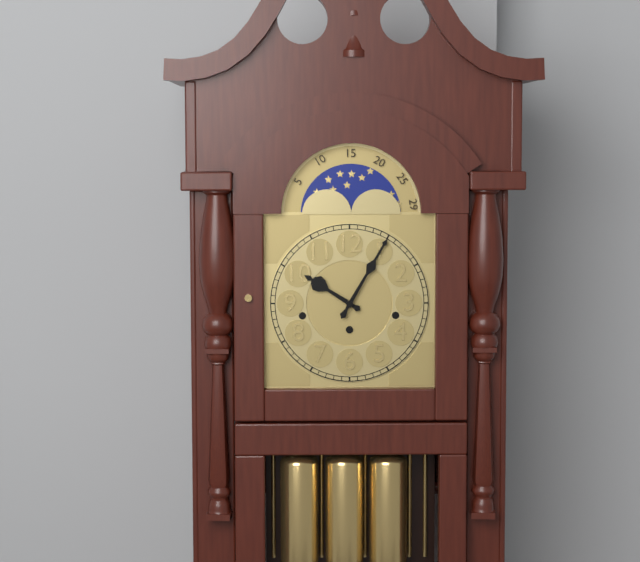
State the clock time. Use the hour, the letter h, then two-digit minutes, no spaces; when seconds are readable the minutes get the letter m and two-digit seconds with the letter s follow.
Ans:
10h05
